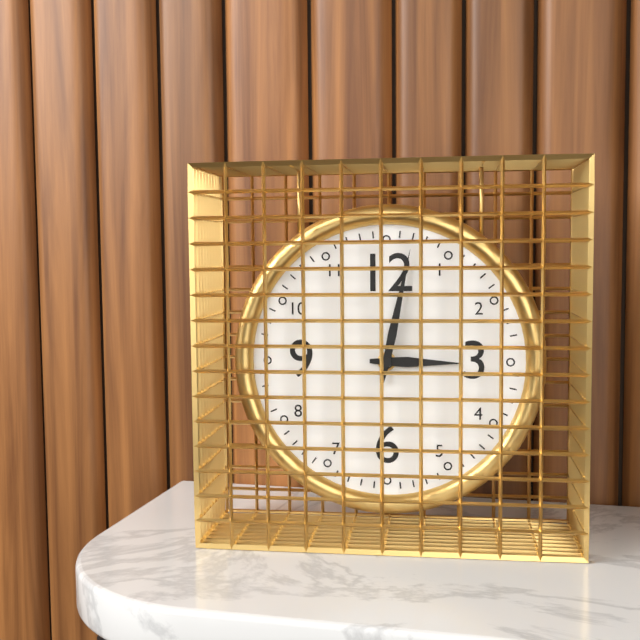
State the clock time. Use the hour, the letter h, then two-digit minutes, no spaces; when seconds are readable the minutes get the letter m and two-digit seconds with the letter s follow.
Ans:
3h02
